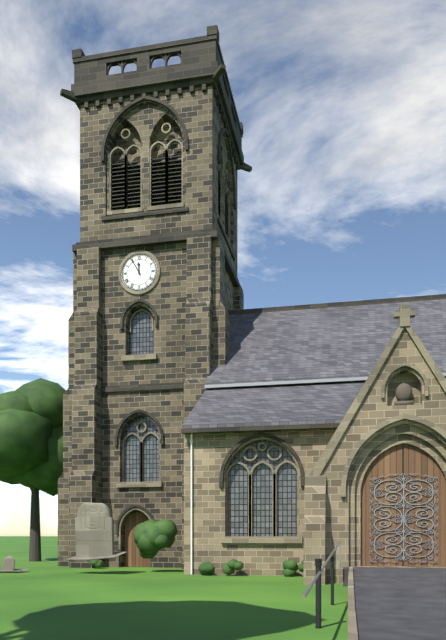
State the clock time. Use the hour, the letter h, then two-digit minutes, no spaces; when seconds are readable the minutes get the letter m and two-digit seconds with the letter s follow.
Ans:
11h55
